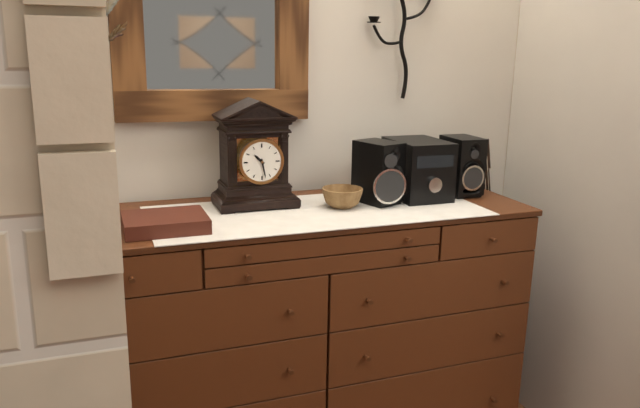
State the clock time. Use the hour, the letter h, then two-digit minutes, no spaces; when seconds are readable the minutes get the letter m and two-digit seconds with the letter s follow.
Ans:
10h28
